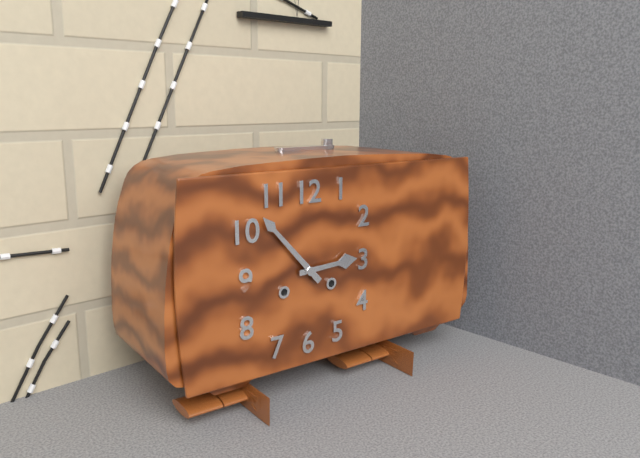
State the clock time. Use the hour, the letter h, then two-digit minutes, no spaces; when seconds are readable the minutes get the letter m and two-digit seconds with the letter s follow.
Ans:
2h53
